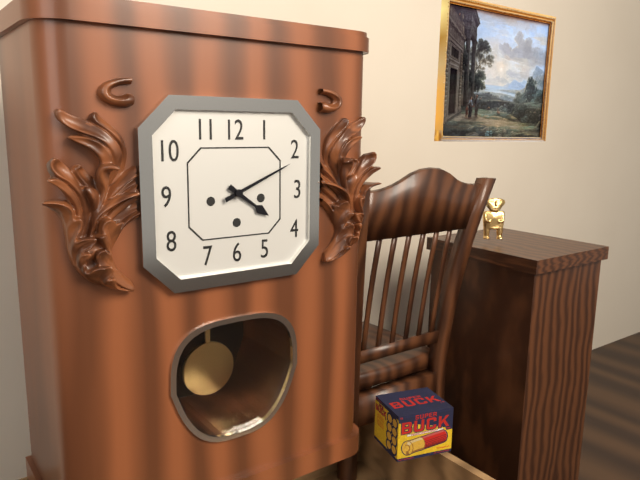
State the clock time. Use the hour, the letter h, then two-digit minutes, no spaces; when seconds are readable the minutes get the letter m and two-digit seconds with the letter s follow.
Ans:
4h11
